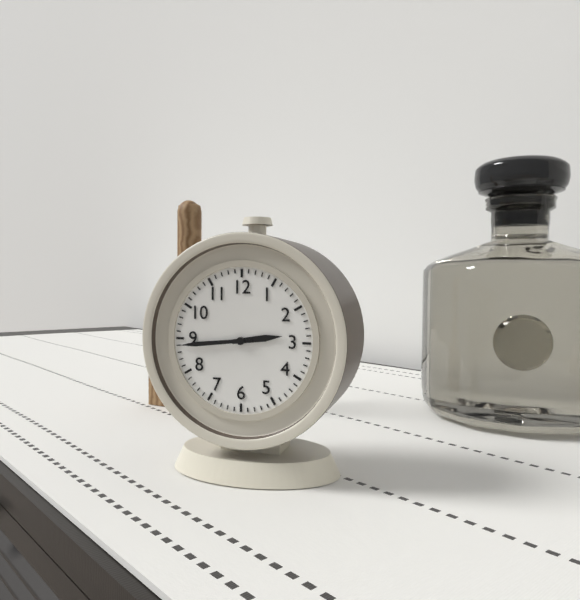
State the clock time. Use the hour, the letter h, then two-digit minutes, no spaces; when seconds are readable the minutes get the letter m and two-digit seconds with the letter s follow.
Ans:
2h44
